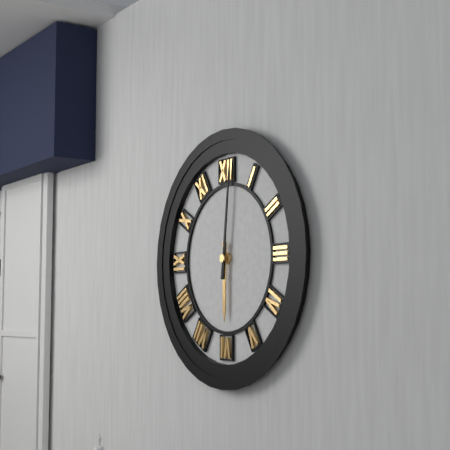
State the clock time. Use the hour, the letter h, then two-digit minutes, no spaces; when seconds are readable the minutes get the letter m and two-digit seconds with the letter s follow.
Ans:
6h01
